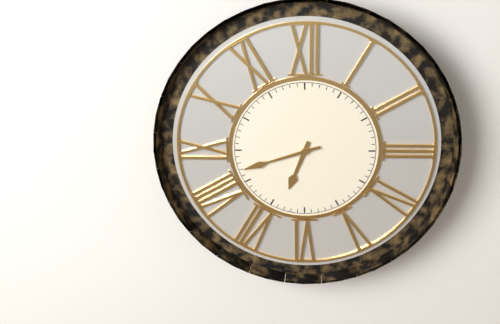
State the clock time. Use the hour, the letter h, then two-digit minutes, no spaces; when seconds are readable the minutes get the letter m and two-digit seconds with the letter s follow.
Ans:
6h42
